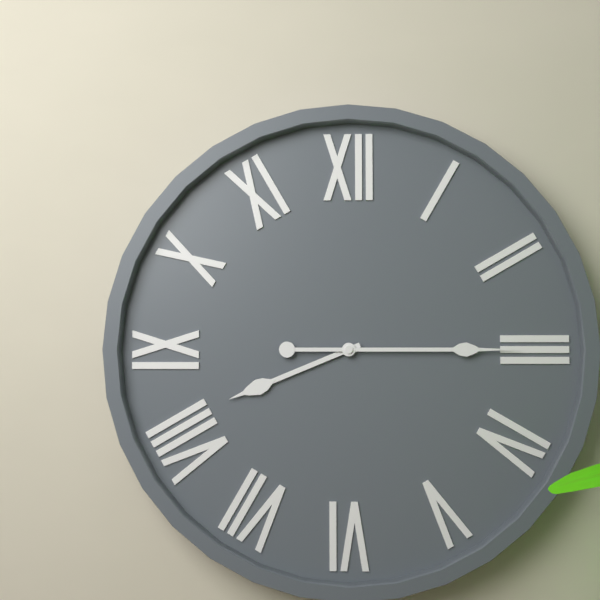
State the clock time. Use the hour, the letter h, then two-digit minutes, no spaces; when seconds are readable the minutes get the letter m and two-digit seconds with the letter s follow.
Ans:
8h15
